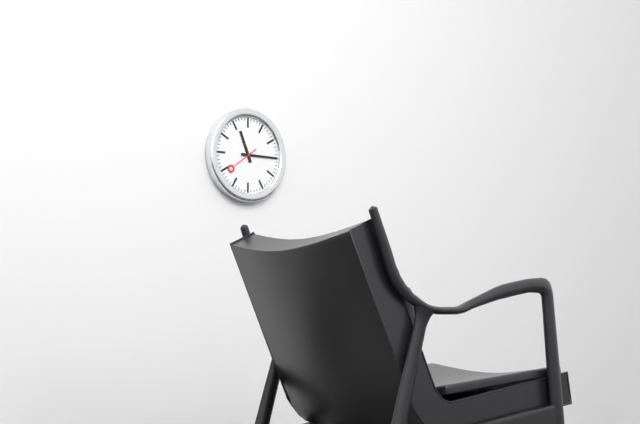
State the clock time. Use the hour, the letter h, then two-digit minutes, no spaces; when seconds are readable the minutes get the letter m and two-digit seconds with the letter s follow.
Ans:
11h15
